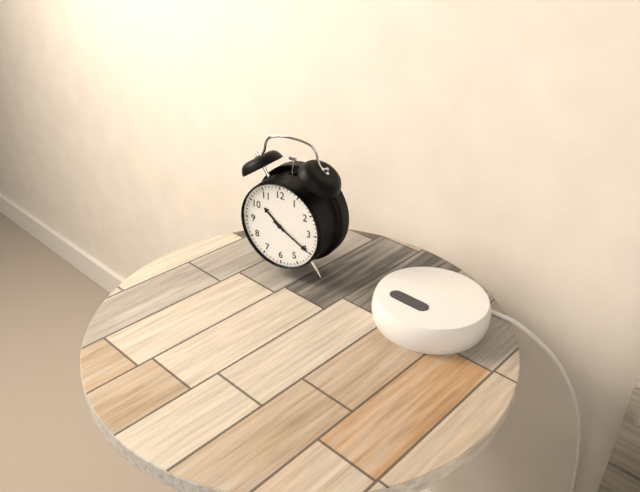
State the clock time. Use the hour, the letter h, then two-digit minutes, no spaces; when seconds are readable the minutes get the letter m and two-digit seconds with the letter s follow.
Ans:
10h20
